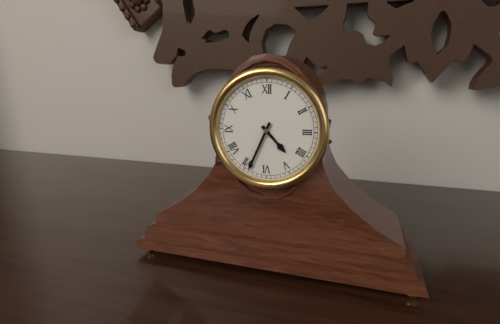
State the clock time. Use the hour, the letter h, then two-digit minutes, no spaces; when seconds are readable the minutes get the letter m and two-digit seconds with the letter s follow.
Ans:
4h34
